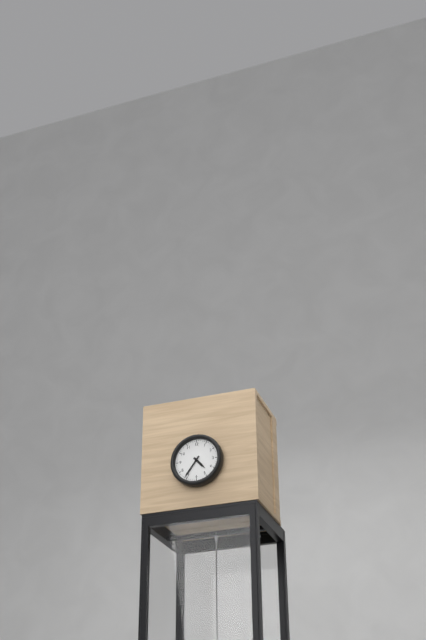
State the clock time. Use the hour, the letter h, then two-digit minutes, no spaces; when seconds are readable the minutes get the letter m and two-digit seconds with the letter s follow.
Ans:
4h36
